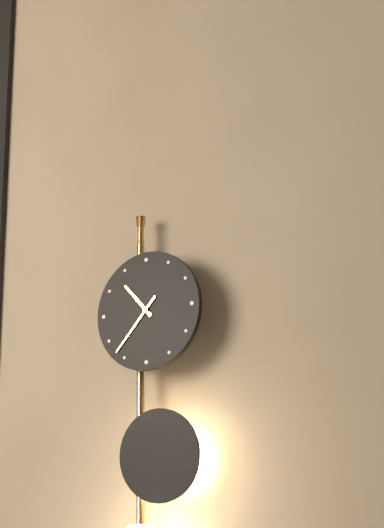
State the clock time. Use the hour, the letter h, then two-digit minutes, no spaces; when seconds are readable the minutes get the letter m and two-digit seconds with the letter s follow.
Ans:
10h37
